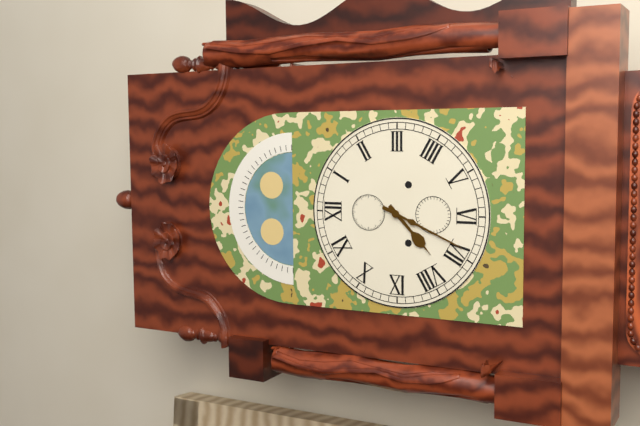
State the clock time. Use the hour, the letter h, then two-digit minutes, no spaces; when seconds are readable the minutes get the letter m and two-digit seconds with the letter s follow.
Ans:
7h34
